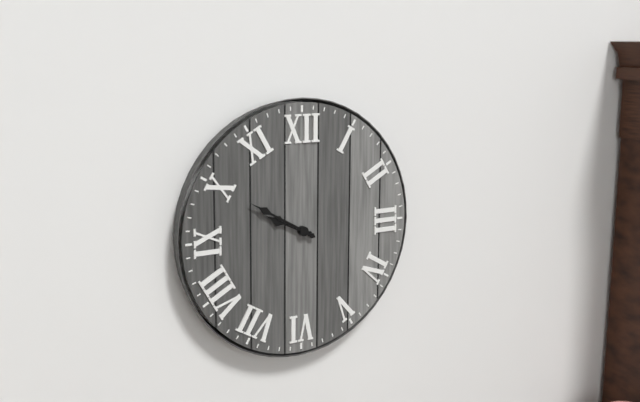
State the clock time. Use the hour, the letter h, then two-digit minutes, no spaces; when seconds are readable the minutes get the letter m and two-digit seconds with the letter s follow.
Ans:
9h50
